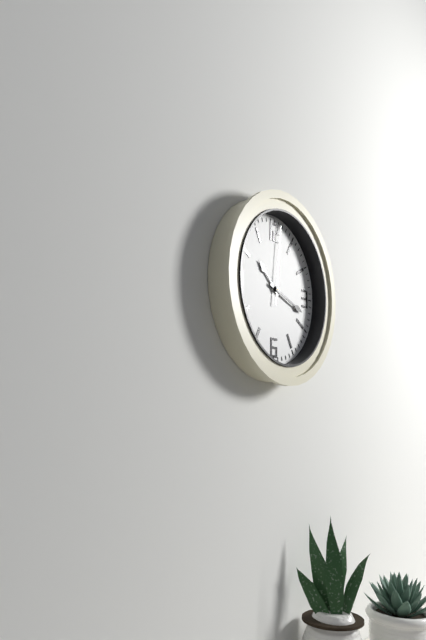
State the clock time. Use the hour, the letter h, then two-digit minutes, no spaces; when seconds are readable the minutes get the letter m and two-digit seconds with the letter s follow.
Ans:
10h18m01s
